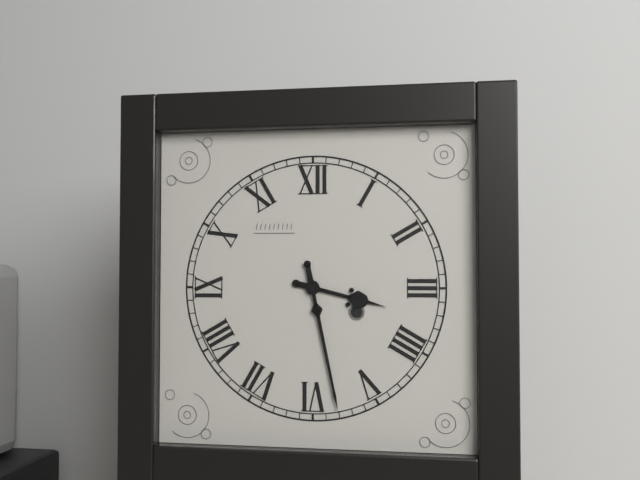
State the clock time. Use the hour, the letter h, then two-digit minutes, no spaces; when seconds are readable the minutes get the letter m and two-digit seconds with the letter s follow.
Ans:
3h28
